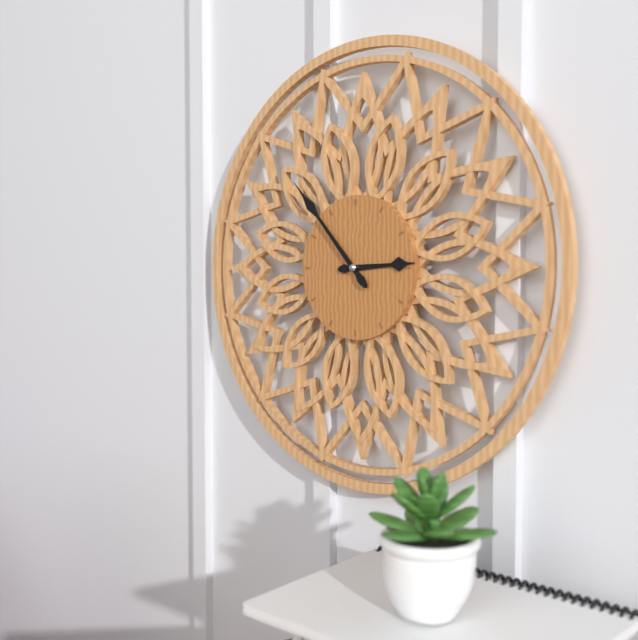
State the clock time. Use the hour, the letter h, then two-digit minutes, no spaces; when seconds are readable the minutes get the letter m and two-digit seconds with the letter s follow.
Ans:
2h53
